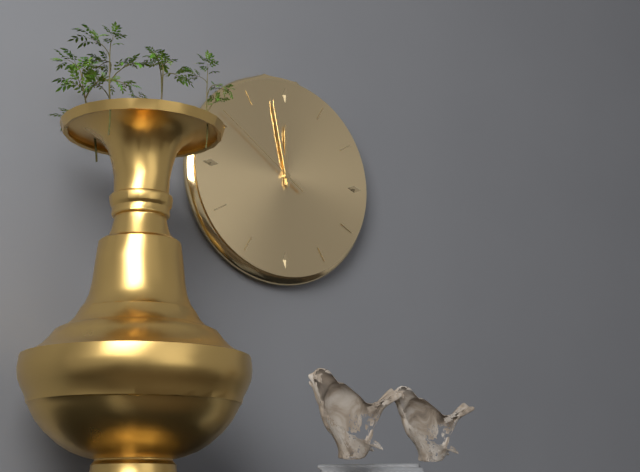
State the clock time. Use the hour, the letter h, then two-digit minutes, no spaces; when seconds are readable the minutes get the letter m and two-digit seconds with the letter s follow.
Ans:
11h58m51s
